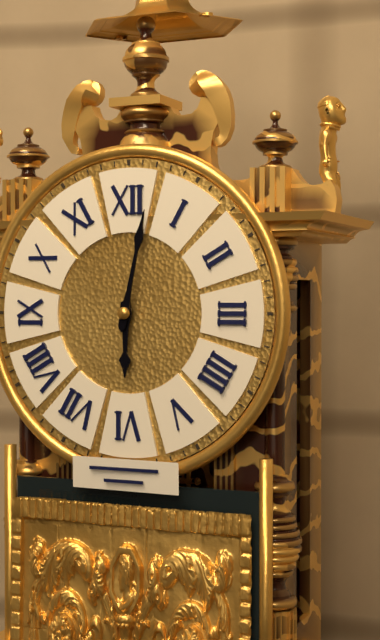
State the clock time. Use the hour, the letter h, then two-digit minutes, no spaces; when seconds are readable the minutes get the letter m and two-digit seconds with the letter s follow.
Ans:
6h02
